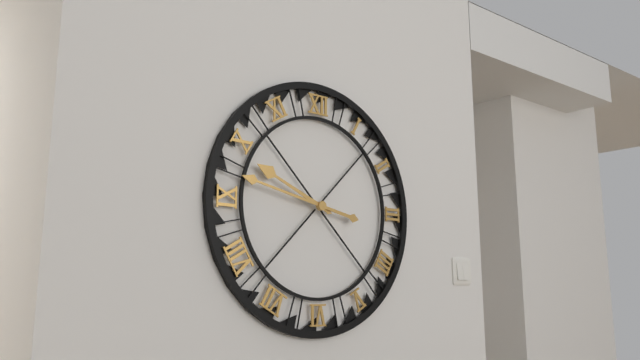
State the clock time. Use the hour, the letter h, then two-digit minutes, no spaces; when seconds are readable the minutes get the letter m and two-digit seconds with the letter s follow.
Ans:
9h47
